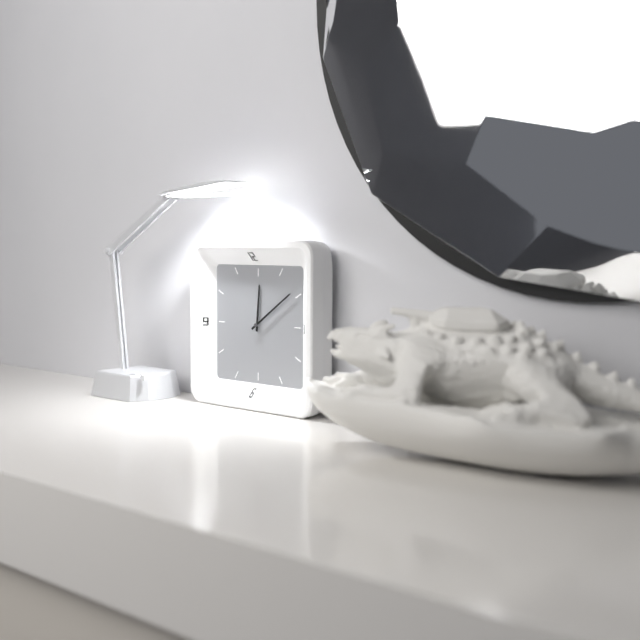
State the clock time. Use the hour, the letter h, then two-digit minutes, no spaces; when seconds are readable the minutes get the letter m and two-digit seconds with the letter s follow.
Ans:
12h09
